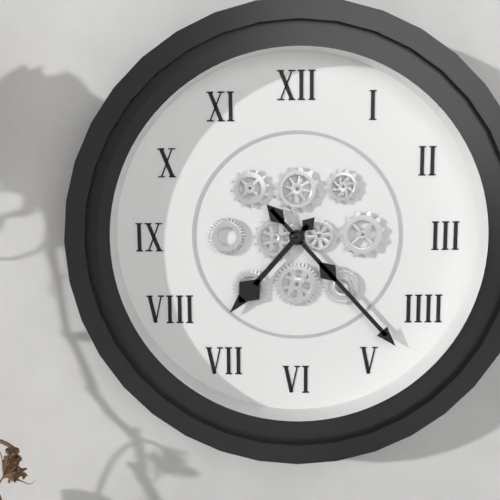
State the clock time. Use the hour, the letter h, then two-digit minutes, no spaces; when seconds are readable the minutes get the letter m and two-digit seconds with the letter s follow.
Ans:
7h23
